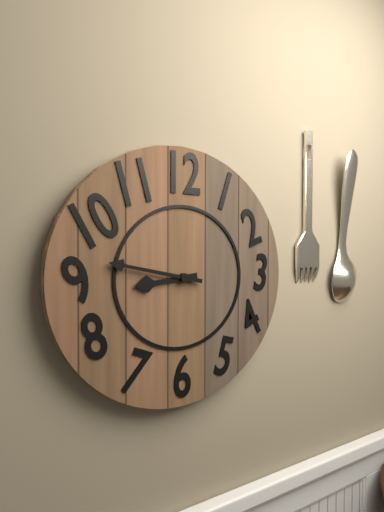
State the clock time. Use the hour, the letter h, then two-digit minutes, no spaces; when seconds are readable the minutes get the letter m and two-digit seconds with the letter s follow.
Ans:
8h47
